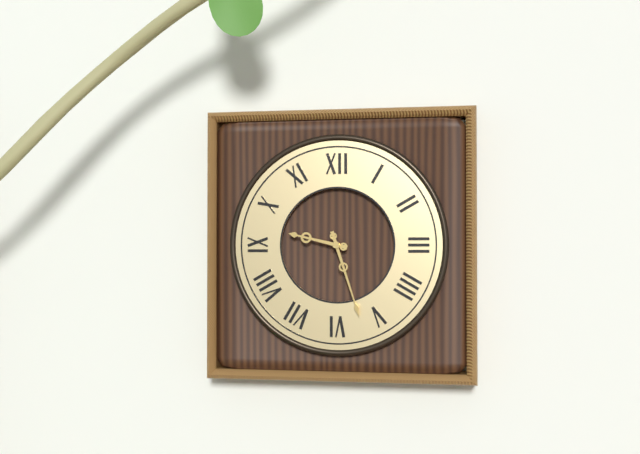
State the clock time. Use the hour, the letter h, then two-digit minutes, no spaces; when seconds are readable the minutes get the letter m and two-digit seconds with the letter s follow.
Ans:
9h27
